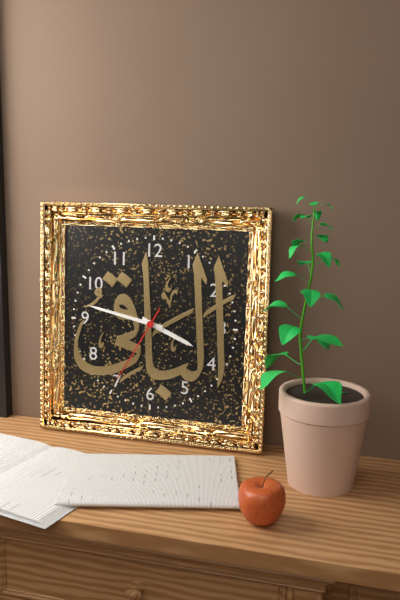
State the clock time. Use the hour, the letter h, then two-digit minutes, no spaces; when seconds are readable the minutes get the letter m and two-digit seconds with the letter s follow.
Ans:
3h47m35s
